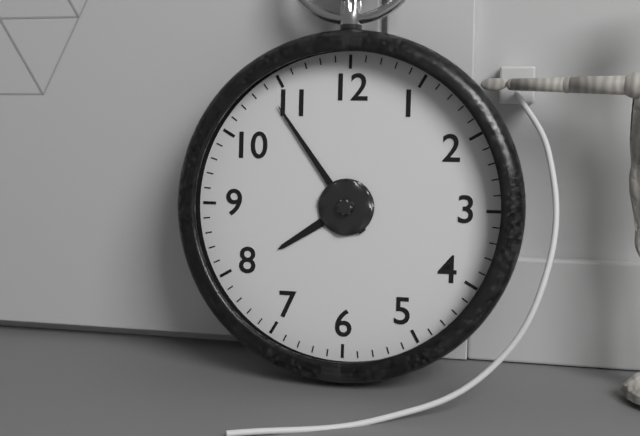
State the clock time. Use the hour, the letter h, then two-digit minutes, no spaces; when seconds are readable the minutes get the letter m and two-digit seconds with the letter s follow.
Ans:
7h54
